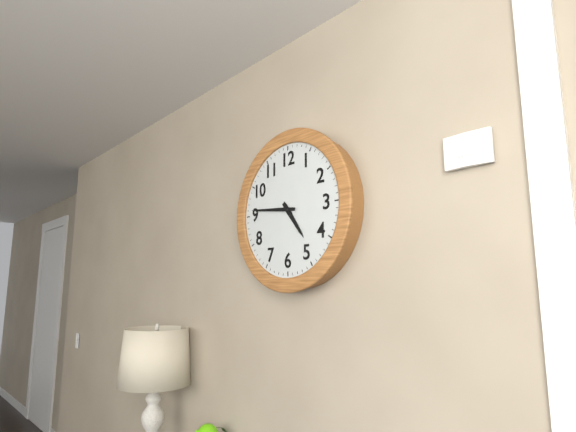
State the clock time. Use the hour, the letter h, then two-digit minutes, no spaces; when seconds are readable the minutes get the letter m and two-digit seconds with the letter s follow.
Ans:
4h46
